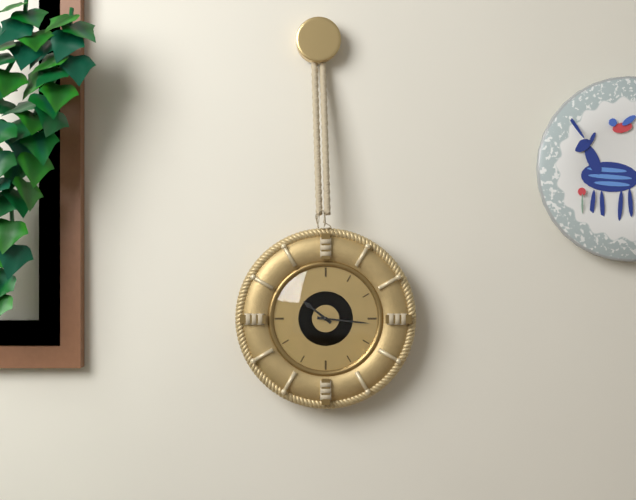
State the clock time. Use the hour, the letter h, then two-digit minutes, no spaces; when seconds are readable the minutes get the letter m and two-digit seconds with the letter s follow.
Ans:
10h16
